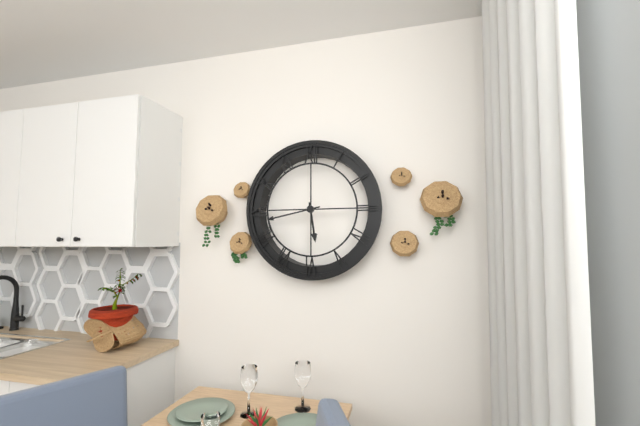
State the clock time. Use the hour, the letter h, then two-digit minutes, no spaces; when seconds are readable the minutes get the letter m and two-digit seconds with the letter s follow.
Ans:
5h43
